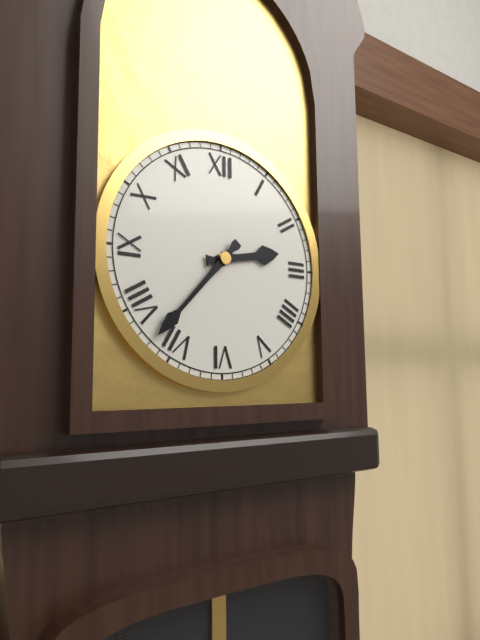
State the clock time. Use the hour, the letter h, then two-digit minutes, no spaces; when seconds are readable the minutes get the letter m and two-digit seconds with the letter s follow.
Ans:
2h37
